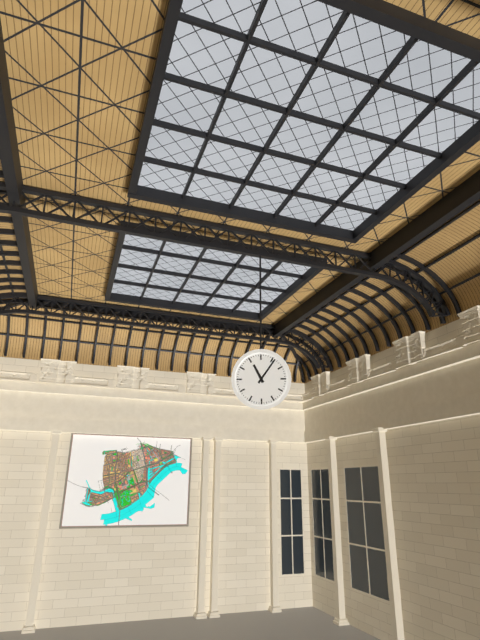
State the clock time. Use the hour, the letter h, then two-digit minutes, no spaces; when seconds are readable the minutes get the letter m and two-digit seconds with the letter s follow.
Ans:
11h06
